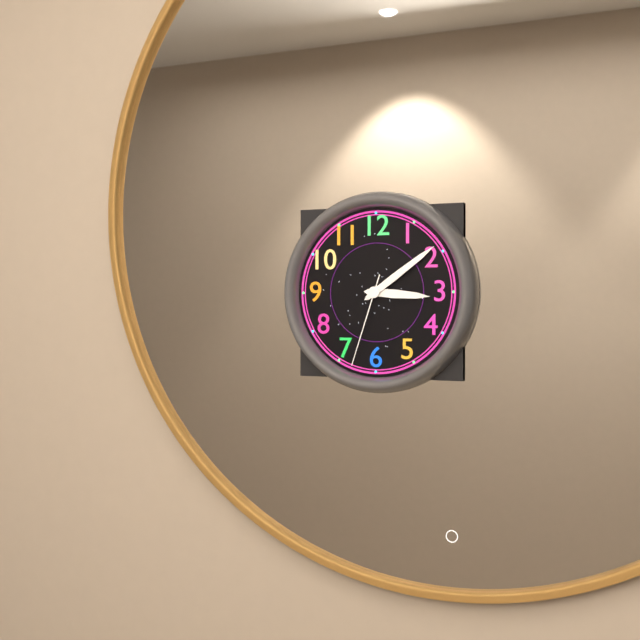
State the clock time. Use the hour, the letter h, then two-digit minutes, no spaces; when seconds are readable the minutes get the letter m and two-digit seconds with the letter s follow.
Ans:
3h09m33s
